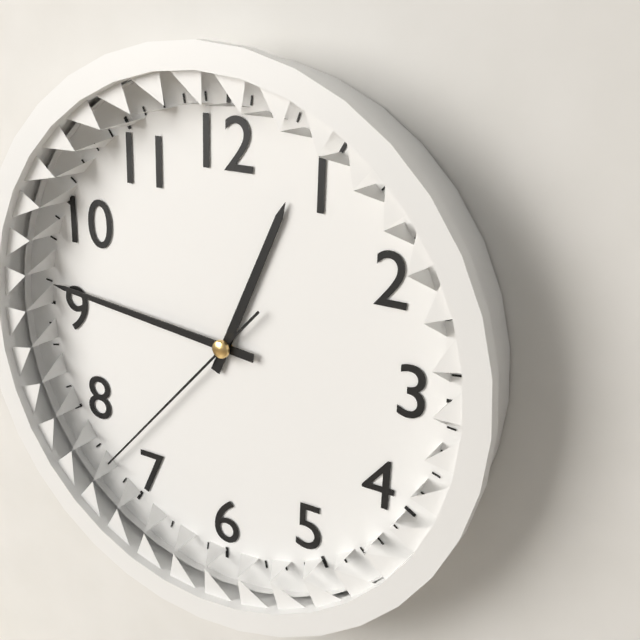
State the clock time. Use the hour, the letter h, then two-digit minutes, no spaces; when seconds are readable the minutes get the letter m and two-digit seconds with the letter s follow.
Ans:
12h46m37s
